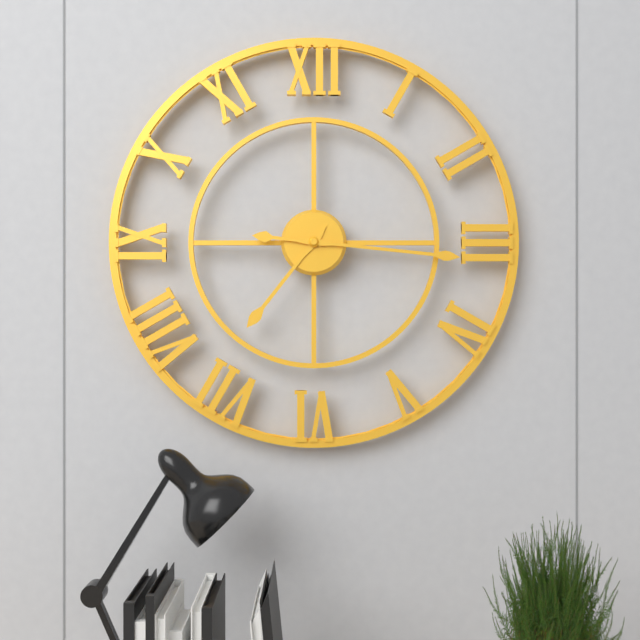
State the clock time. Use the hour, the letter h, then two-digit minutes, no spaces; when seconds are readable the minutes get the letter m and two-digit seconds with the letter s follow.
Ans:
7h16
